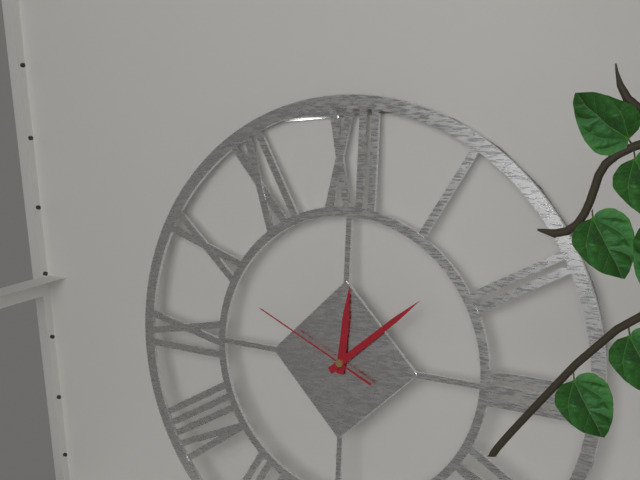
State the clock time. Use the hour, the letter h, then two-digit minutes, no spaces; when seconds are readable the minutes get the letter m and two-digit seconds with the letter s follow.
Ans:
12h08m49s
